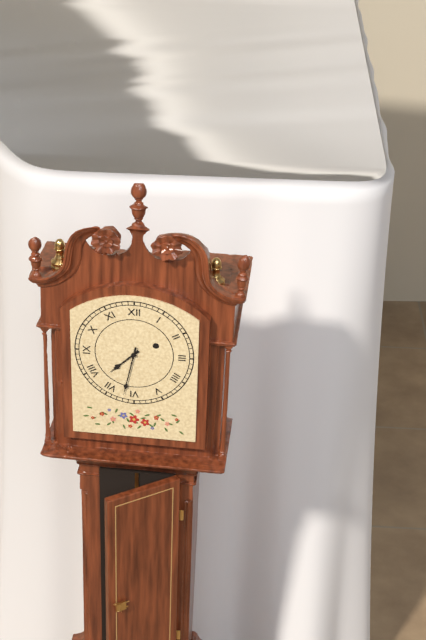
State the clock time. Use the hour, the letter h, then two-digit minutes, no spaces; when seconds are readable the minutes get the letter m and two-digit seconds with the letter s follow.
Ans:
7h32
